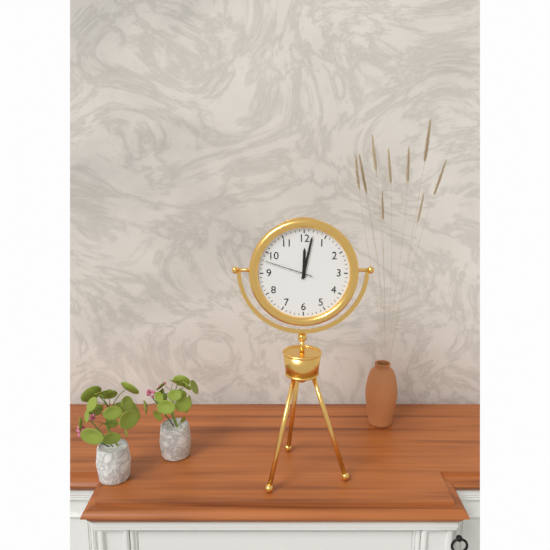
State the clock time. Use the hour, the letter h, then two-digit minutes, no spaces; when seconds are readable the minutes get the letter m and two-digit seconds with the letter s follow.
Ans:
12h02m48s
